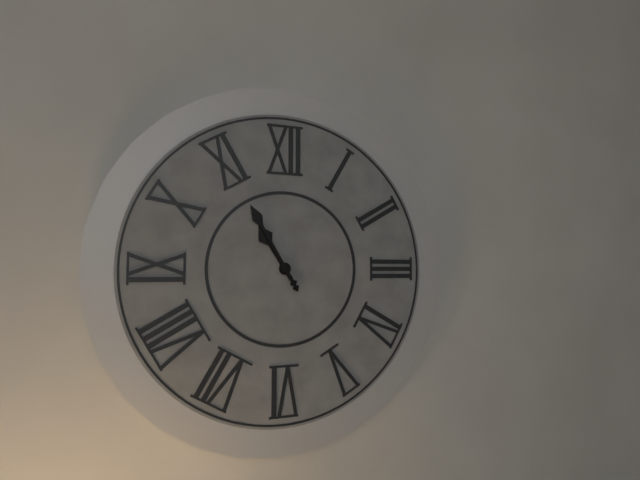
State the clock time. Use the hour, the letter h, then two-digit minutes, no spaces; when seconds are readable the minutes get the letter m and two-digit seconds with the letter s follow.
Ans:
10h55
